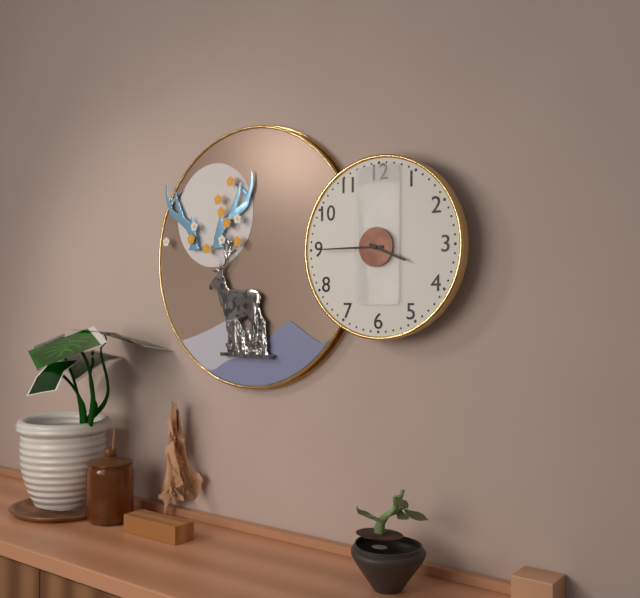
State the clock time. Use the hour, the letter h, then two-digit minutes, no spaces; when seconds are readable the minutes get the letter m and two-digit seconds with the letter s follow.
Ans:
3h45
